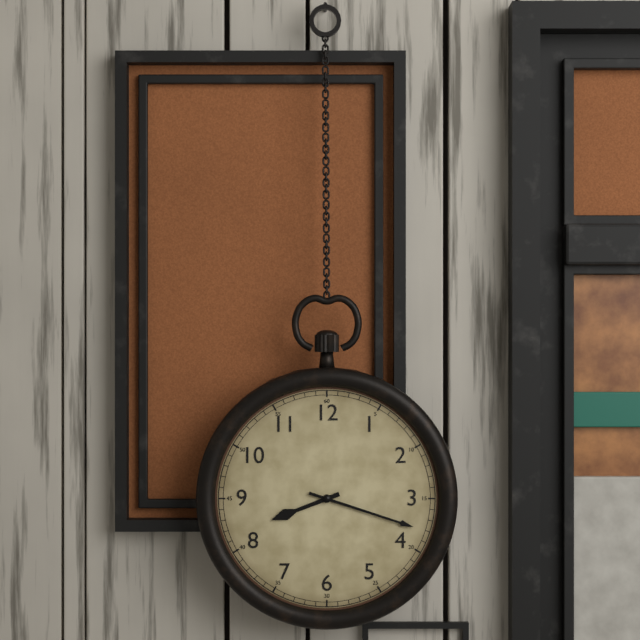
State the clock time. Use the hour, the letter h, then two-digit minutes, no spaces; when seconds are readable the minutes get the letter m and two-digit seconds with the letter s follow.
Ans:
8h18
